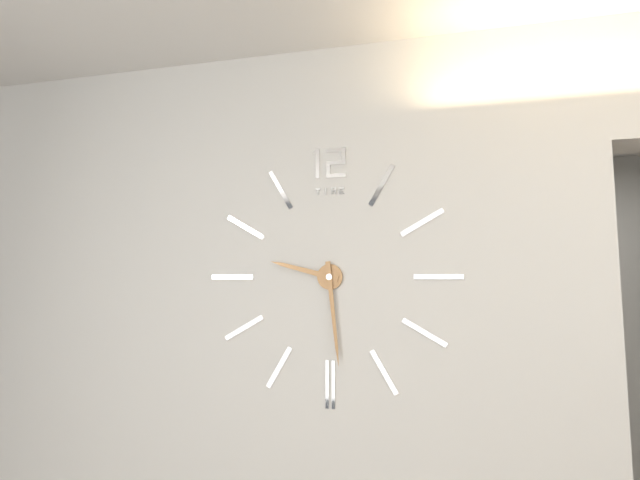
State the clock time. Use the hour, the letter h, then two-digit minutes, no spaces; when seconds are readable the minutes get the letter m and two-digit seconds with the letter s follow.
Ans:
9h29
